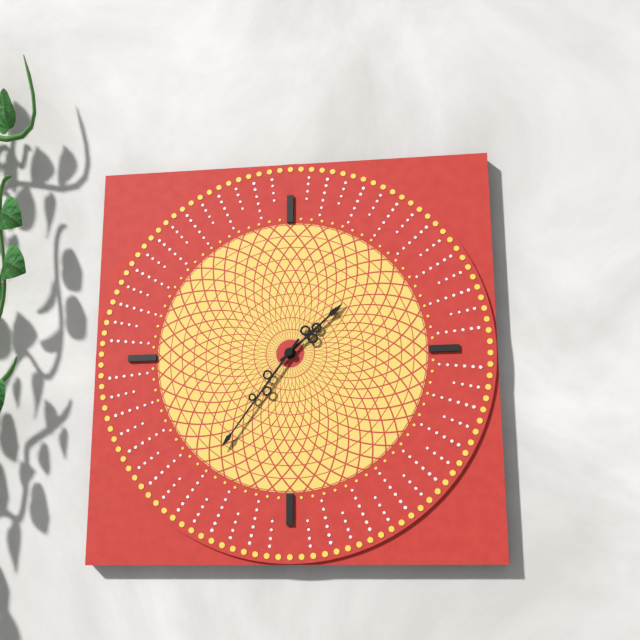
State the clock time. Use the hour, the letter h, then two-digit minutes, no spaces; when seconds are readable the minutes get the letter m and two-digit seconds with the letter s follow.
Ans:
1h36
